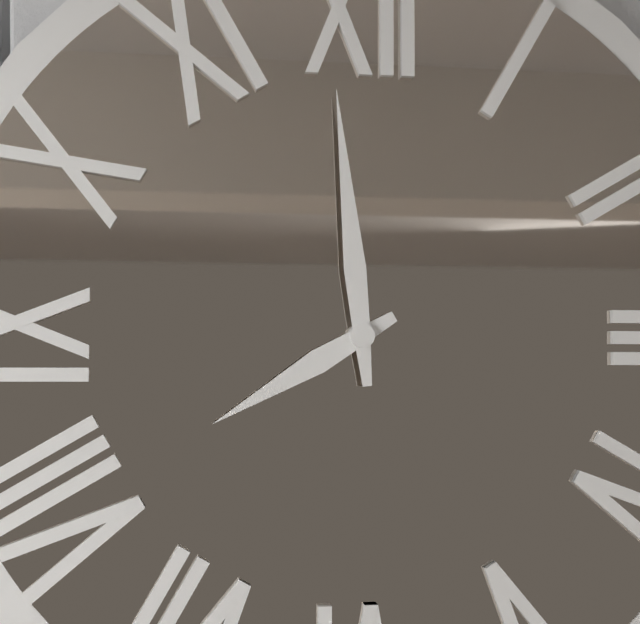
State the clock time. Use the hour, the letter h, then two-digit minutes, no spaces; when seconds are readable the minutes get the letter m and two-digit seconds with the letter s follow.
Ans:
7h59
